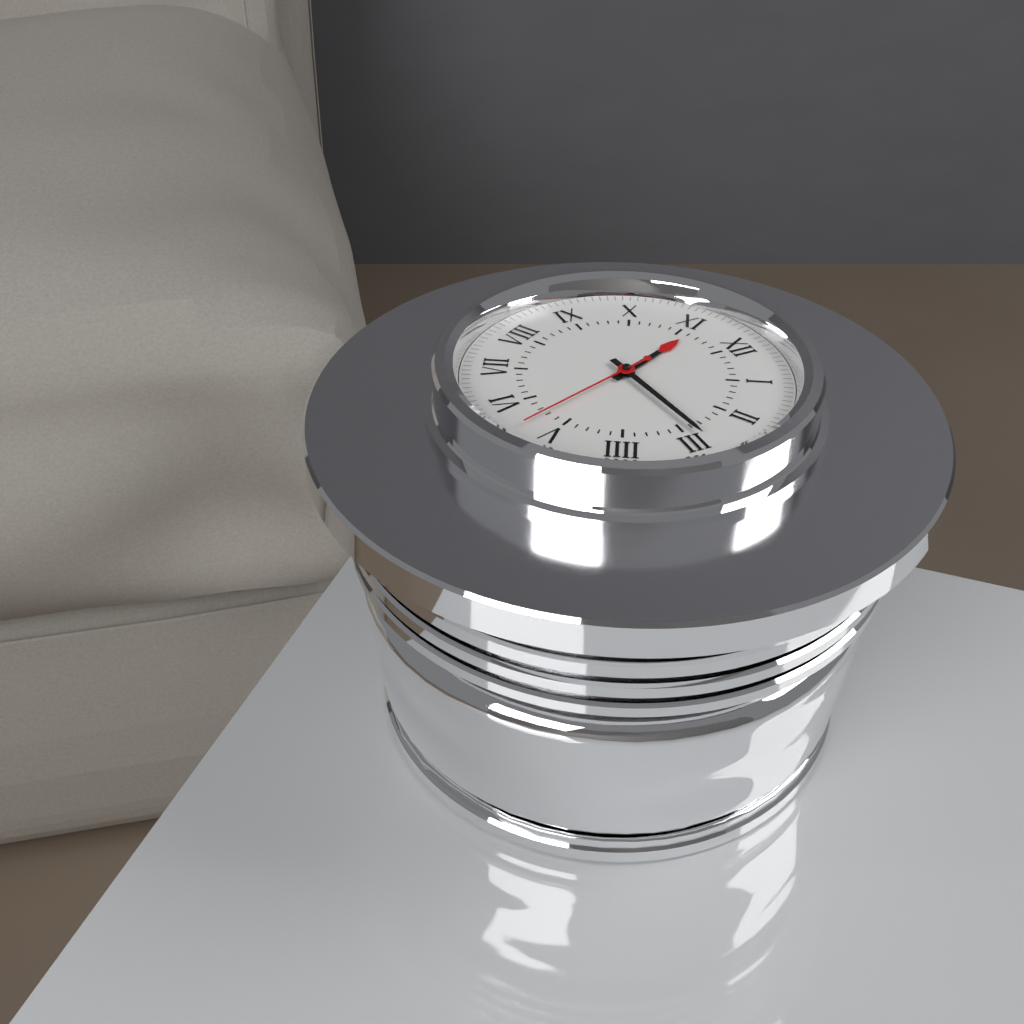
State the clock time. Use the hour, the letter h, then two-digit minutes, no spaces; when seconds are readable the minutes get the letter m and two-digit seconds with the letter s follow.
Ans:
11h14m27s
